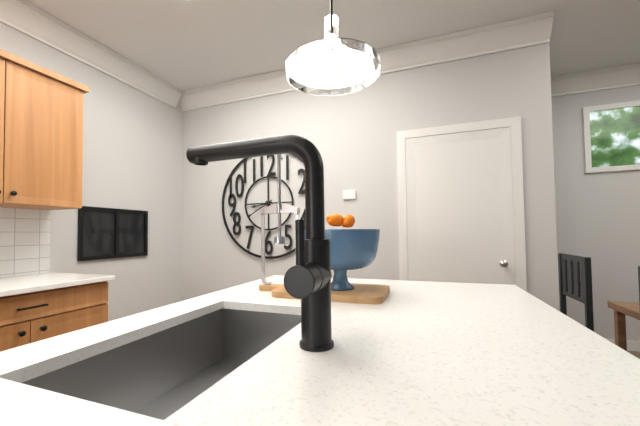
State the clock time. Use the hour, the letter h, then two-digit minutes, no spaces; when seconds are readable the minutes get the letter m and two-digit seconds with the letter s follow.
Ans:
8h40
